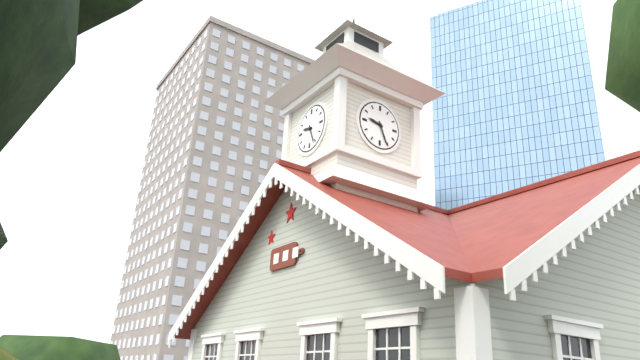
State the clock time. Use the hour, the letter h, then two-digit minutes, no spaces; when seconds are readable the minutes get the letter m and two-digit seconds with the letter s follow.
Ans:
9h26
